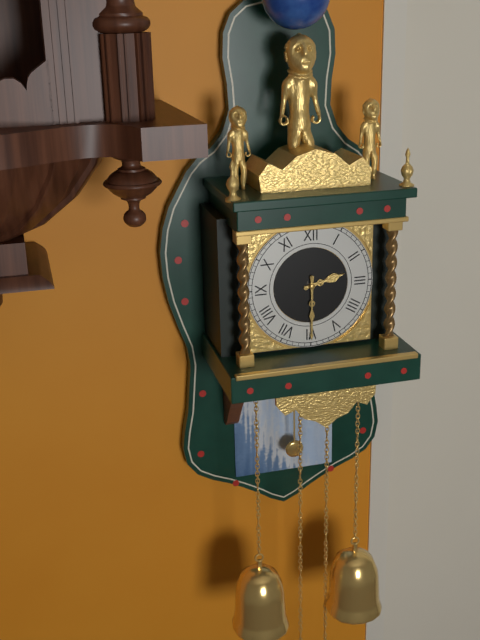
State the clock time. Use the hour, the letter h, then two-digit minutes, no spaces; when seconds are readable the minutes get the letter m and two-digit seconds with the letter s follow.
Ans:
2h30
